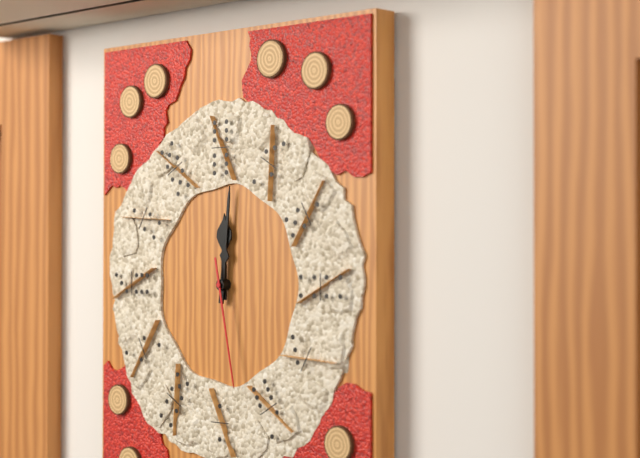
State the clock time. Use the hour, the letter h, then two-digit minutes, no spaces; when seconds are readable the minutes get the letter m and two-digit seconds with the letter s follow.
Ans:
12h01m28s
